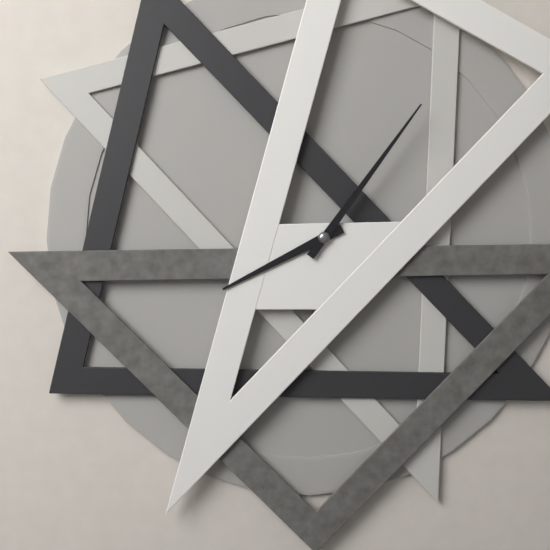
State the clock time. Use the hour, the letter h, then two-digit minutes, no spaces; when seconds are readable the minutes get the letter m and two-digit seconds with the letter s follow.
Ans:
8h06
